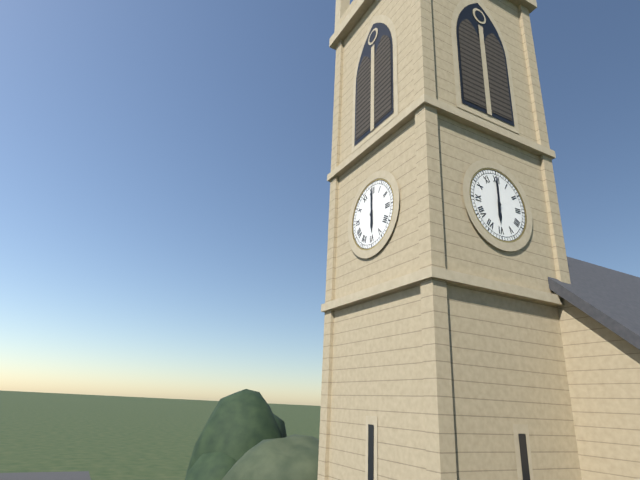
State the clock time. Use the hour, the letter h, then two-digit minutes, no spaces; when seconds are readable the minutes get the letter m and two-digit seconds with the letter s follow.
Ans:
6h00
